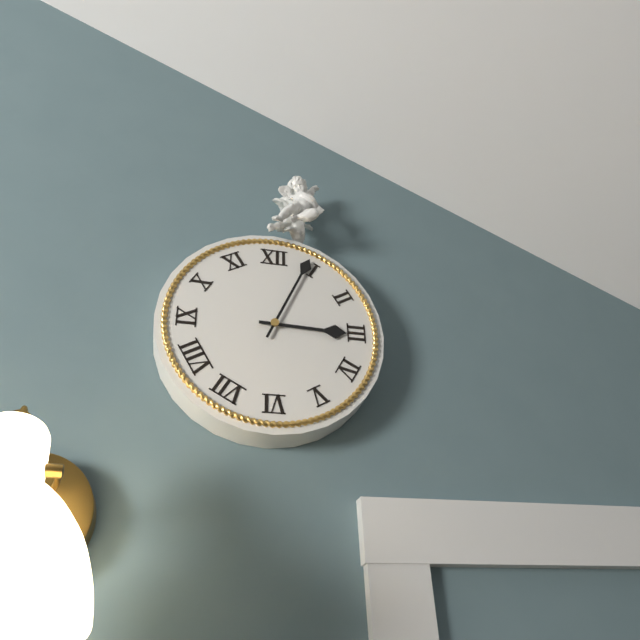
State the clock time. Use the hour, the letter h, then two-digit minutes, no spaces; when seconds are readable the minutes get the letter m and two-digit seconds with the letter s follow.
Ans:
3h04
